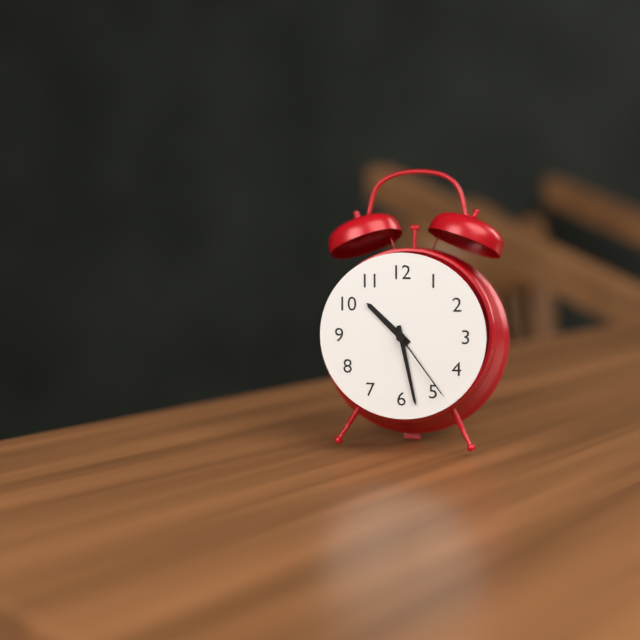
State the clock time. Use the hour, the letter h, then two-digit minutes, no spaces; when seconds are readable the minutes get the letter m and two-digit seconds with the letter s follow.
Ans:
10h28m24s
